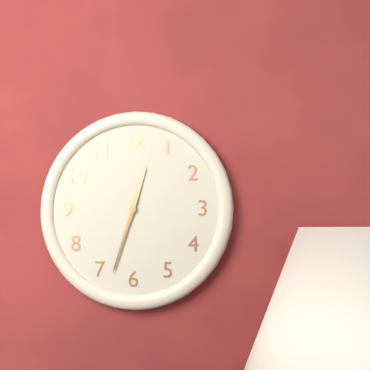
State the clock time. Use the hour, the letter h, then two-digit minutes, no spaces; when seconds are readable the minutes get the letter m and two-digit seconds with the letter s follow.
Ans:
12h33
